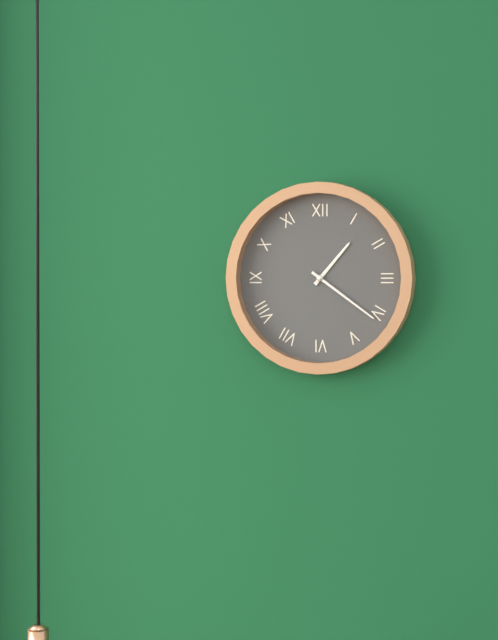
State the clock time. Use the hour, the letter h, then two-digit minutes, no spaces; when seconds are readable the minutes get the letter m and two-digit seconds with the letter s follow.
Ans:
1h21
